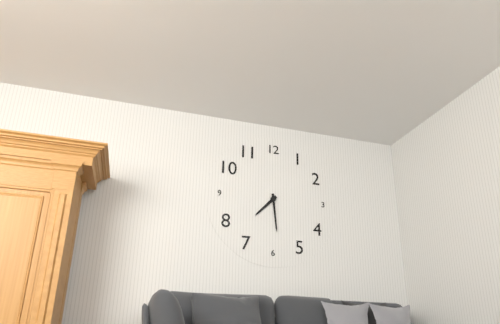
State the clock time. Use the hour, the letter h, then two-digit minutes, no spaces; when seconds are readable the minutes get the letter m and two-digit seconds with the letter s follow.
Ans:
7h29
